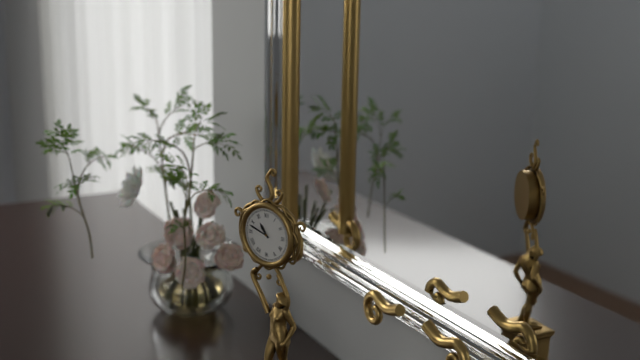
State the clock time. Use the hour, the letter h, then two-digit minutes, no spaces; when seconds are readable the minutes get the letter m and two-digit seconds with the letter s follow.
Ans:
10h48
